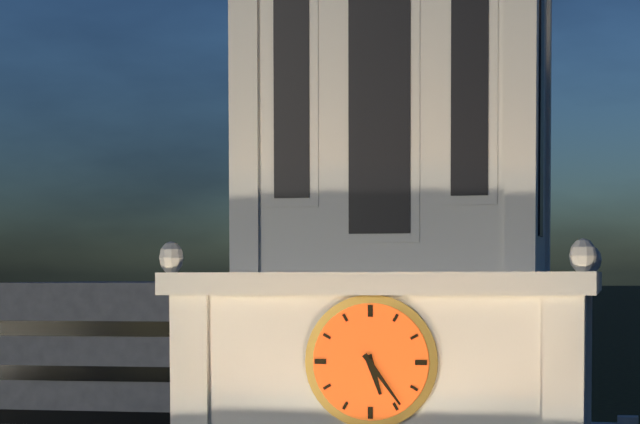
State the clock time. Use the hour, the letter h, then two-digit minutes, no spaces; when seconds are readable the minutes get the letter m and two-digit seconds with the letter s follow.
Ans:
5h24
